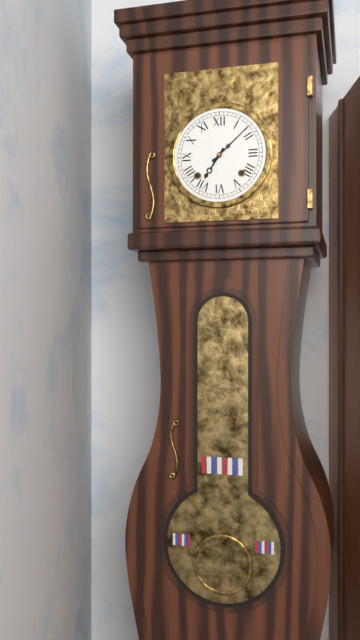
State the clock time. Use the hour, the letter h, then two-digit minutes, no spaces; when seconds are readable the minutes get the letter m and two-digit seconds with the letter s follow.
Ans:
7h08
